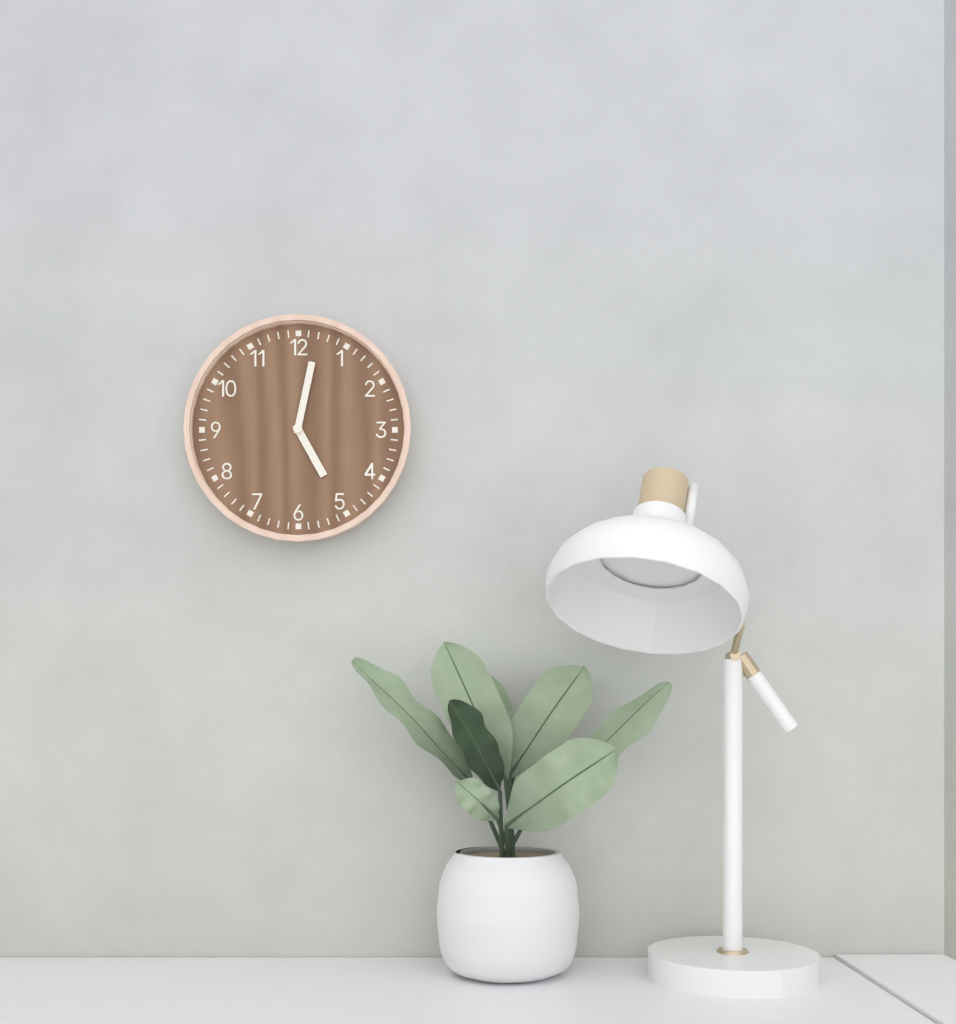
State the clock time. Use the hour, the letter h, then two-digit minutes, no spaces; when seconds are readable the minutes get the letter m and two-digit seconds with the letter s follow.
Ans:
5h02
